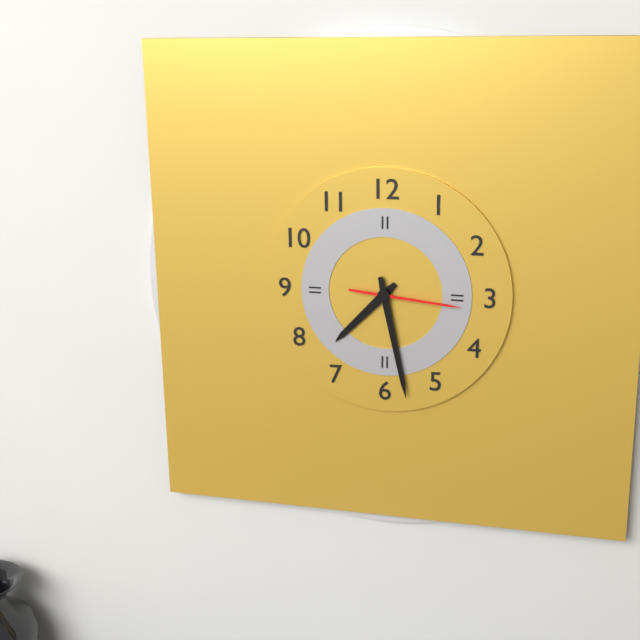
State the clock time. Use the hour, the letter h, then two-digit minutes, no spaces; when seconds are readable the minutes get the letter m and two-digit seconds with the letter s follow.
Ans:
7h28m16s
